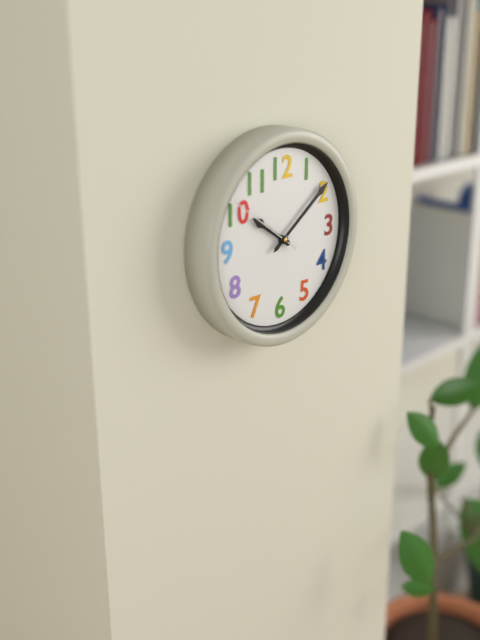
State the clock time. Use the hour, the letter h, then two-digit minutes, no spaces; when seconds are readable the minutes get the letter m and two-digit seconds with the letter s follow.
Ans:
10h09m51s
